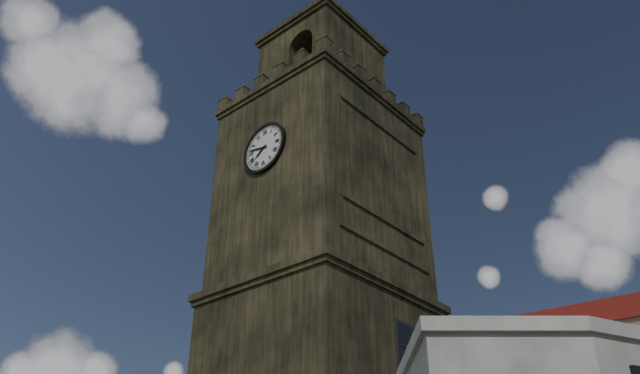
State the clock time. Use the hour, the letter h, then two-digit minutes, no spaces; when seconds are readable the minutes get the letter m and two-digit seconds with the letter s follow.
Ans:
7h47
